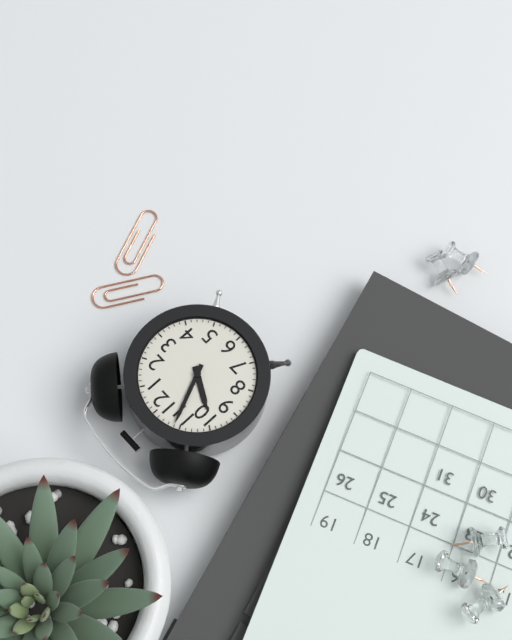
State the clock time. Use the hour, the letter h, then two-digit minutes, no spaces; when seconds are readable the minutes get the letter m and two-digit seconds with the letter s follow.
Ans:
9h56
